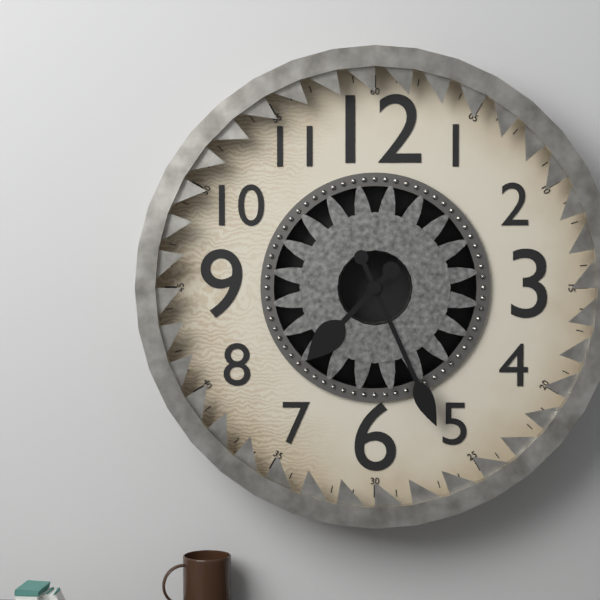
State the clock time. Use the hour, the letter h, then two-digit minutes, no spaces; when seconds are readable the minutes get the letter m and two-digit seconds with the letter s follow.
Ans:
7h26
